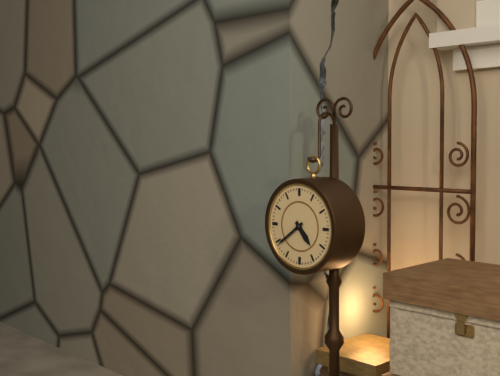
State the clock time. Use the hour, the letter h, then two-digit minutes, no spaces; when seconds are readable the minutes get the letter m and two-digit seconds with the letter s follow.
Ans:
4h39
